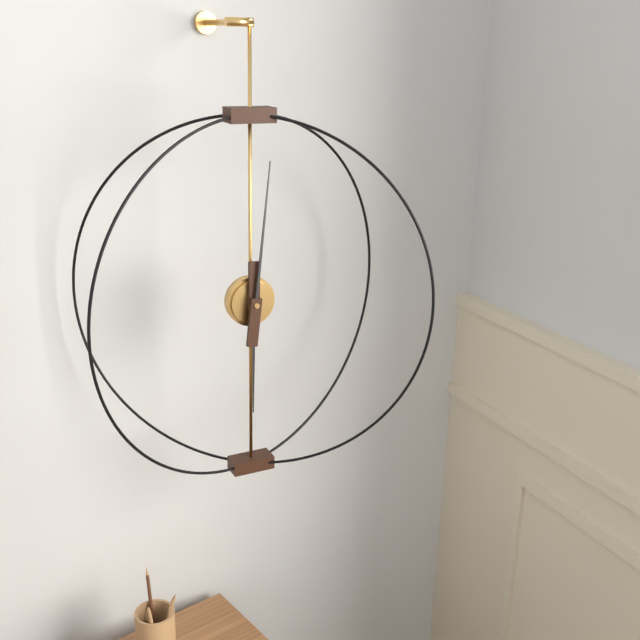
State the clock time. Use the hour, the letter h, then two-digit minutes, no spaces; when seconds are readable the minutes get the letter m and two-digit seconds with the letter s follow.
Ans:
6h01
